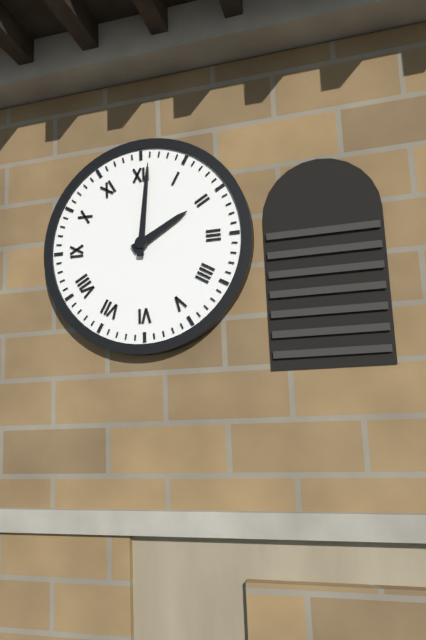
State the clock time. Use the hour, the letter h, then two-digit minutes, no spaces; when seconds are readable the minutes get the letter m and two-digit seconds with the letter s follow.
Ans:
2h01
